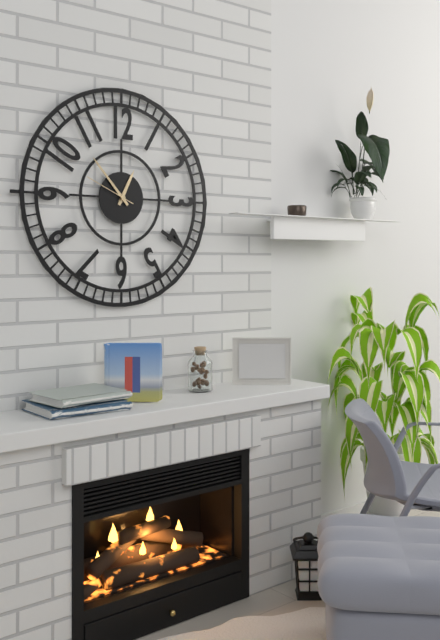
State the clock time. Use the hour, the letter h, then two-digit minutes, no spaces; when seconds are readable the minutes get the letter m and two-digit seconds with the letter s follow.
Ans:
12h53m49s
